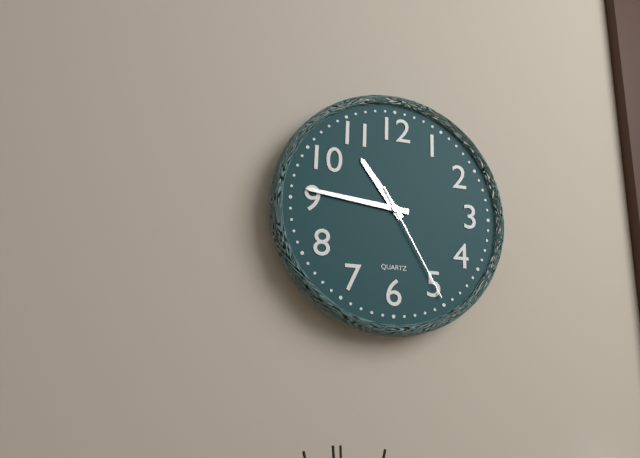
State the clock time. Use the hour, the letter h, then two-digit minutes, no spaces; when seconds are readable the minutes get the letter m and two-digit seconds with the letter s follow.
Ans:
10h46m25s
